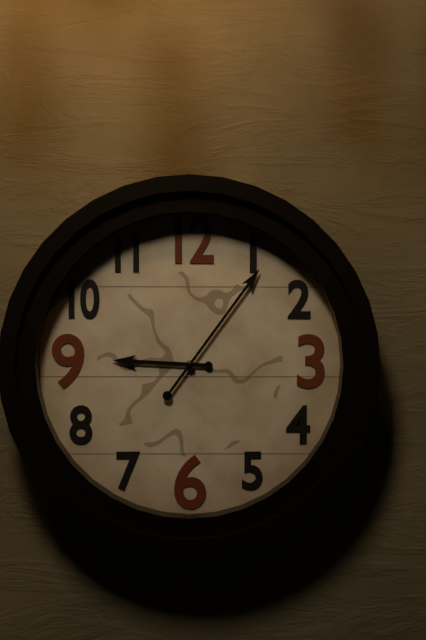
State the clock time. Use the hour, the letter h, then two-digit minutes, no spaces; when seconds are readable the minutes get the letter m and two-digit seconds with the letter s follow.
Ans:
9h06
